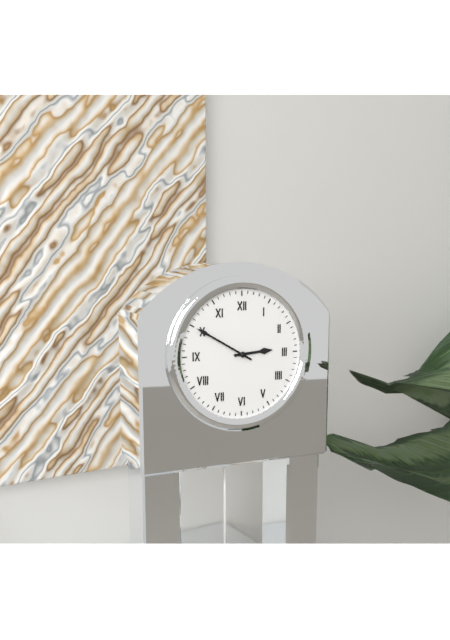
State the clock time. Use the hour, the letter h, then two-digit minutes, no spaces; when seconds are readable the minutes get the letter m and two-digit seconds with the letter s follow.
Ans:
2h50
